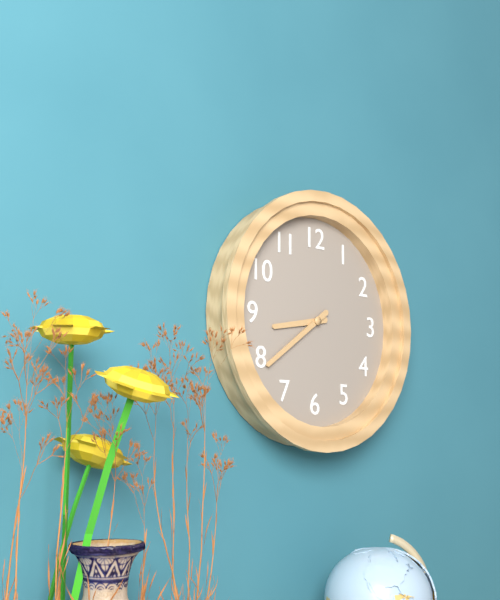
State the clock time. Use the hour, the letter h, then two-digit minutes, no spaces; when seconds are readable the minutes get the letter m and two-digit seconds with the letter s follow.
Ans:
8h39
